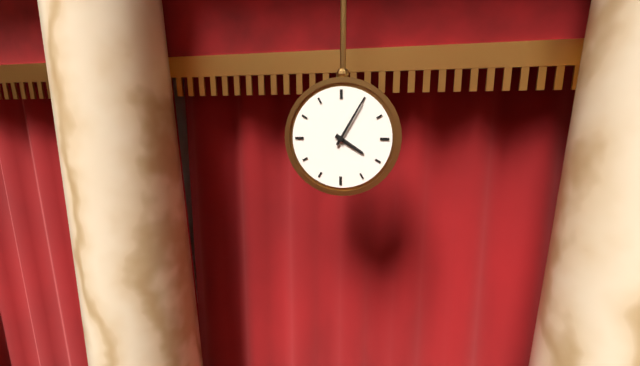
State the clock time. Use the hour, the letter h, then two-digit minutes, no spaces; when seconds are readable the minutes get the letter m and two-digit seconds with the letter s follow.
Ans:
4h05
